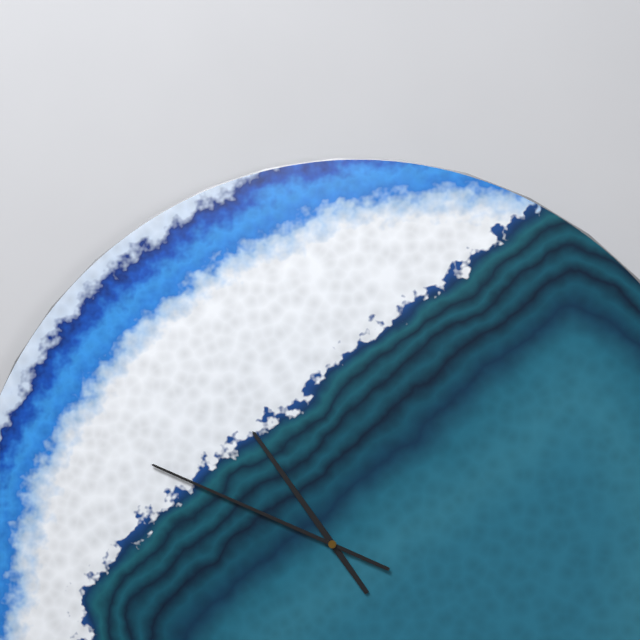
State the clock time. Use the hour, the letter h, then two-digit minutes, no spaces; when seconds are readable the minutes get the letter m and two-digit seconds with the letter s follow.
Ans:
10h49
